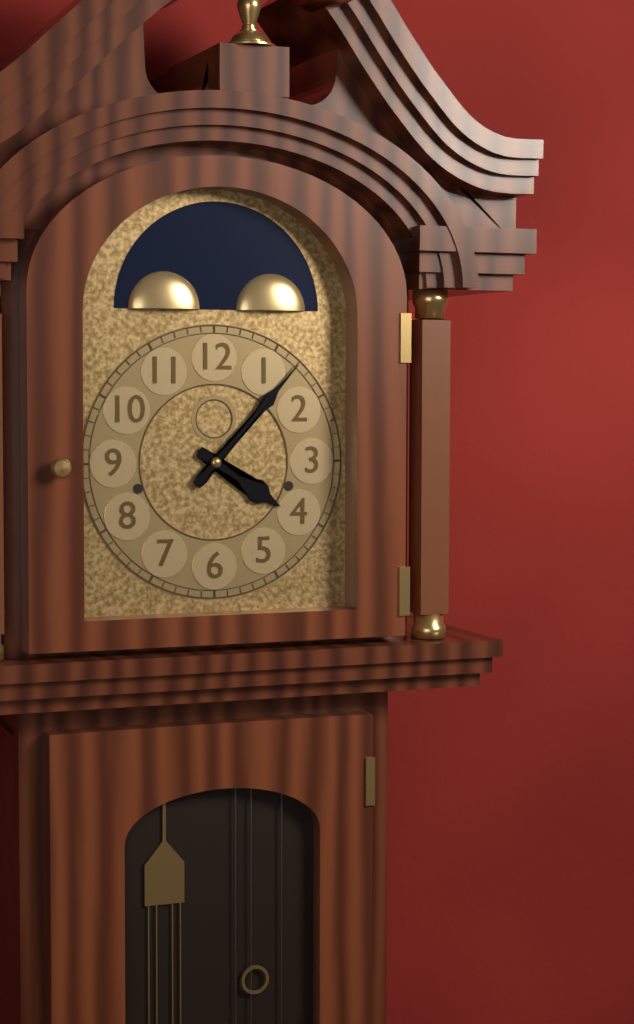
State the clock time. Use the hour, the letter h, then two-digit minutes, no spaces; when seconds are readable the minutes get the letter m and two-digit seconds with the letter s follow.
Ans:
4h07
